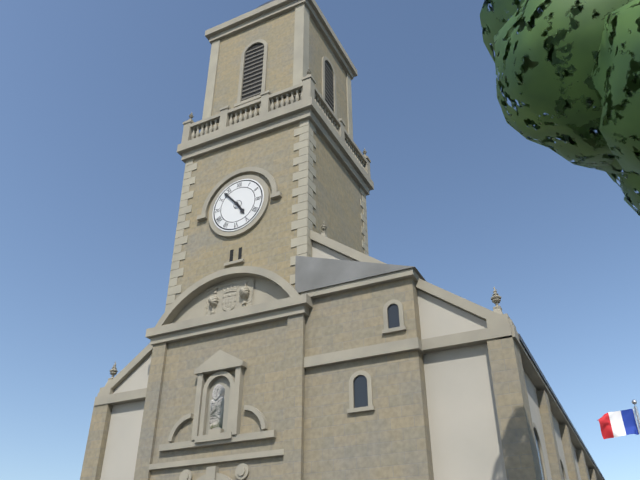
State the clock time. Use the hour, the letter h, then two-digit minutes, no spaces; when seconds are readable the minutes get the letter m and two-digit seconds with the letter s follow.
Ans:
4h53
